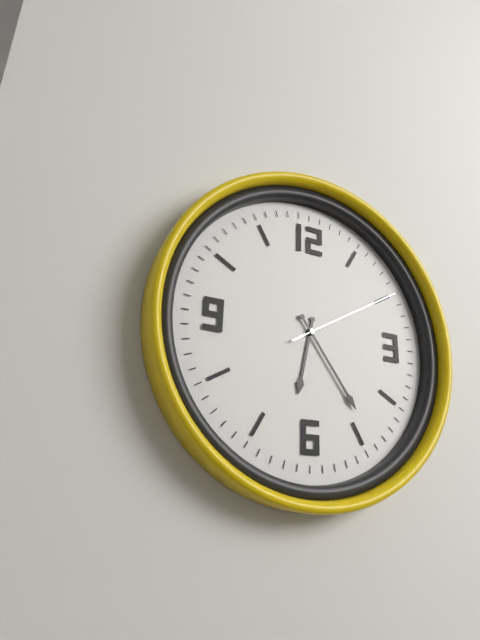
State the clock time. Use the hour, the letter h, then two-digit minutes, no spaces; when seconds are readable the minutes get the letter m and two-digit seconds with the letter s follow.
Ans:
6h24m10s
